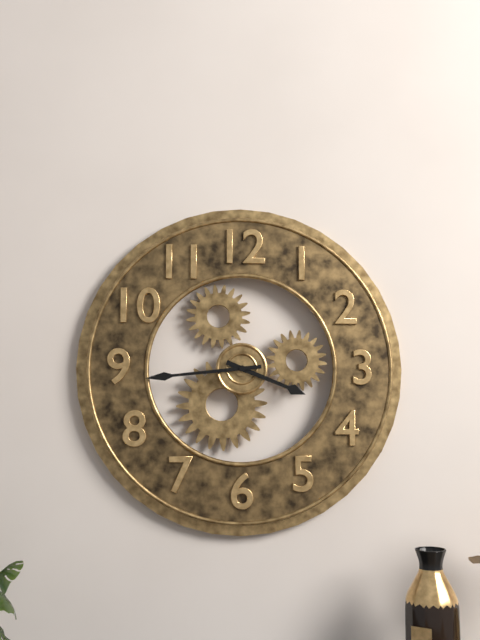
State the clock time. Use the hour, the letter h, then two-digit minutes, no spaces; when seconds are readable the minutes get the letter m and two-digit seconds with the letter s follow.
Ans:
3h44
